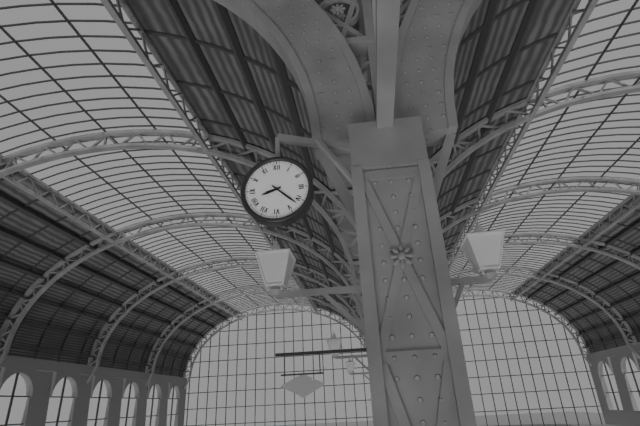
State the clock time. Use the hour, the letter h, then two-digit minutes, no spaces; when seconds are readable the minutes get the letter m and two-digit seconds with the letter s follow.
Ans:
8h22
